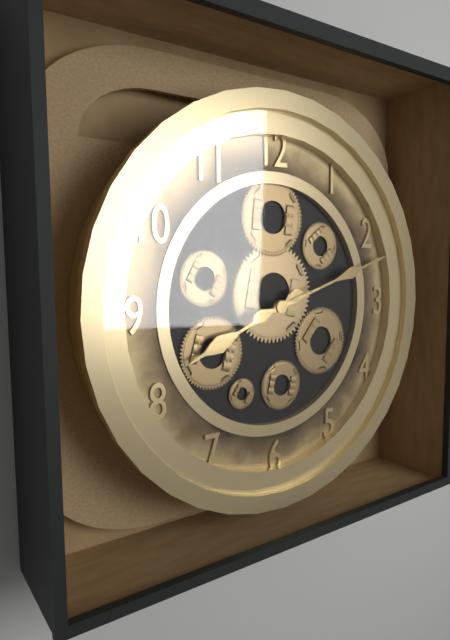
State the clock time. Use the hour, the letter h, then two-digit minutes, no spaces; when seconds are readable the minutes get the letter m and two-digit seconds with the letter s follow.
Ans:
8h12
